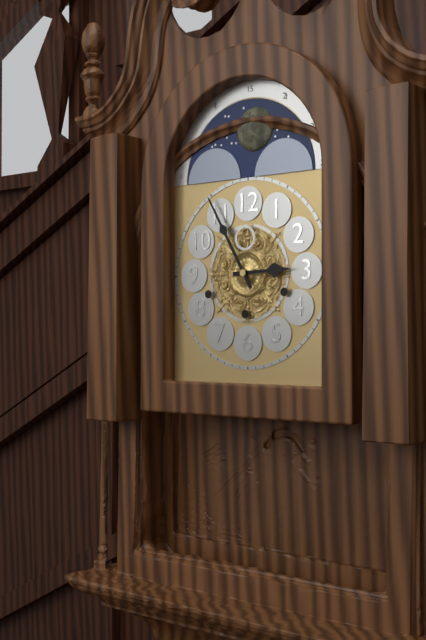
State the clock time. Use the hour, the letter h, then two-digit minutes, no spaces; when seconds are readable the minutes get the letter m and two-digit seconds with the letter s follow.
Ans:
2h55
